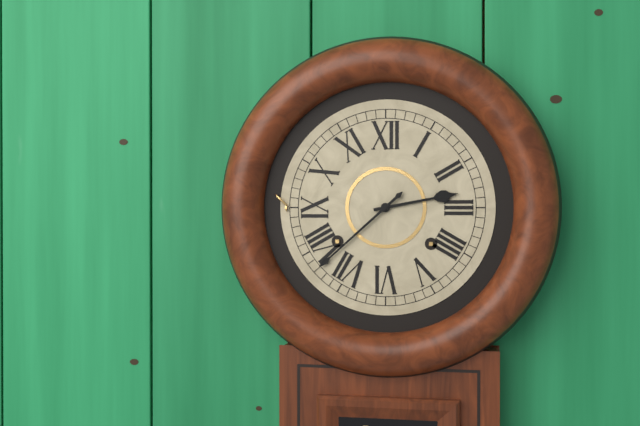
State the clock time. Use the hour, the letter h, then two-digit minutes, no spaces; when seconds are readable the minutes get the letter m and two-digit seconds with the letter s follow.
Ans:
2h38
